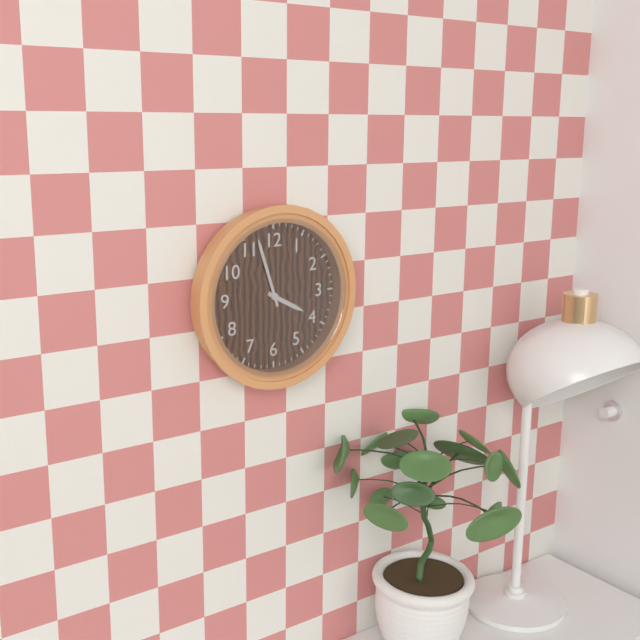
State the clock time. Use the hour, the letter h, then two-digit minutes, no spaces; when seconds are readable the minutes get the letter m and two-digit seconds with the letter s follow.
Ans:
3h57
